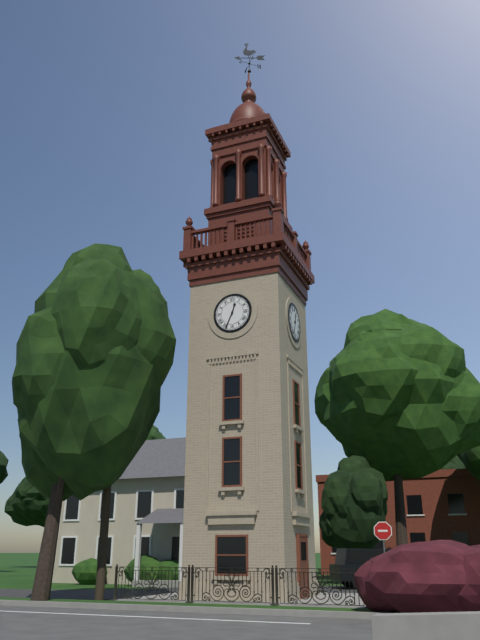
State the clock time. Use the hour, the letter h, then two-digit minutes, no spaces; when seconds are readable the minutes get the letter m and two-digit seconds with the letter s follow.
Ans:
12h34
